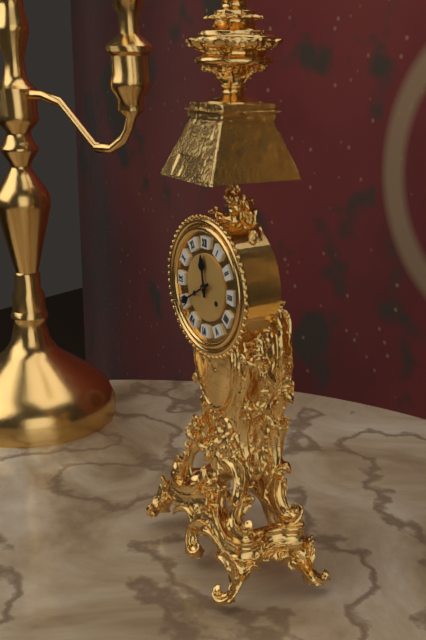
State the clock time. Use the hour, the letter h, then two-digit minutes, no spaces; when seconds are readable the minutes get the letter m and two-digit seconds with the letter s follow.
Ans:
11h40
